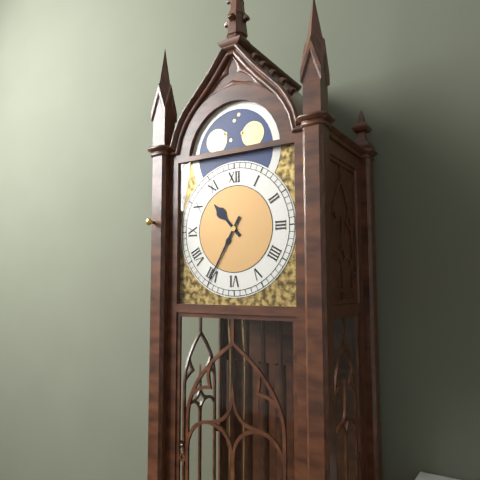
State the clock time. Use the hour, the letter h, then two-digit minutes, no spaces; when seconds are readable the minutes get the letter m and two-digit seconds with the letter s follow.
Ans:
10h35
